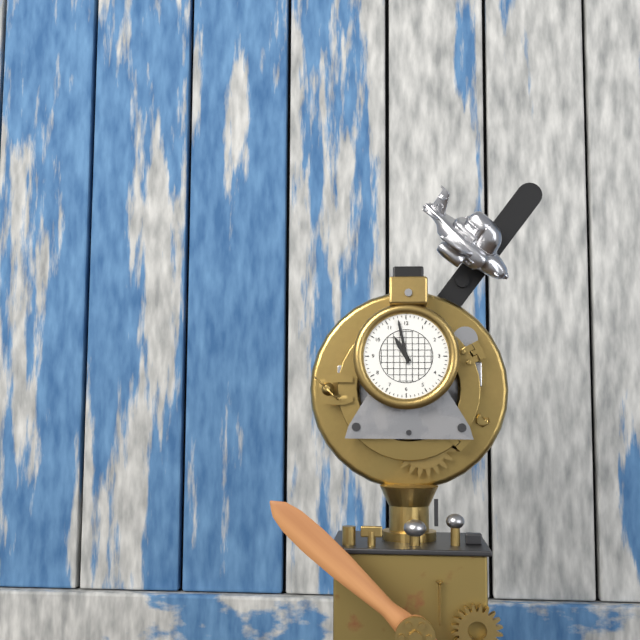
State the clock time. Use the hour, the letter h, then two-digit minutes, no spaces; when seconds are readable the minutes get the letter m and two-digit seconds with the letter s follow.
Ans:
10h58
